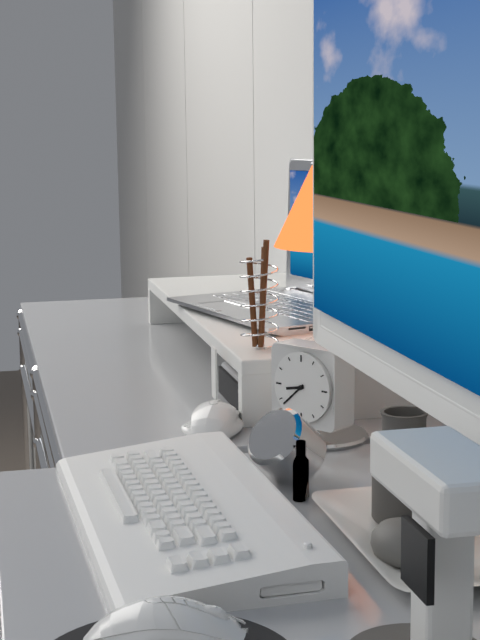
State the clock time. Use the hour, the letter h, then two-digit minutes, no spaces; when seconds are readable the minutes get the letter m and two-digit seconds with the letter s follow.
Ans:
8h38
